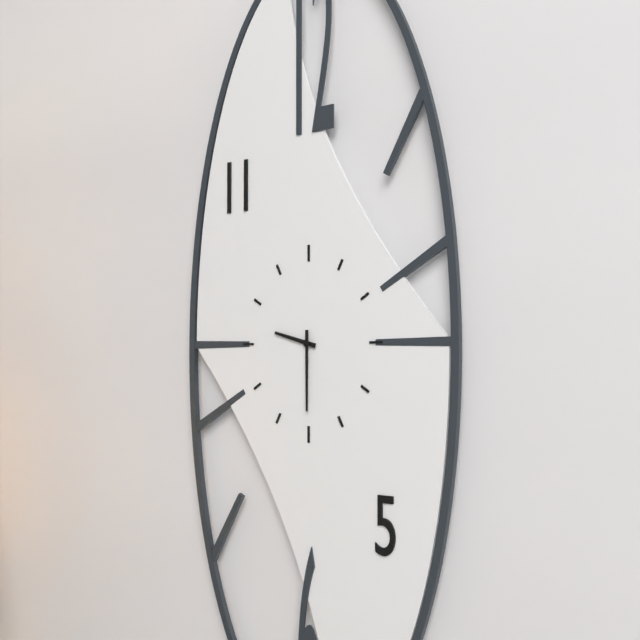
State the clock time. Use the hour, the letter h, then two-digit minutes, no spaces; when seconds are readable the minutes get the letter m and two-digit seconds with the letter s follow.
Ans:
9h30
